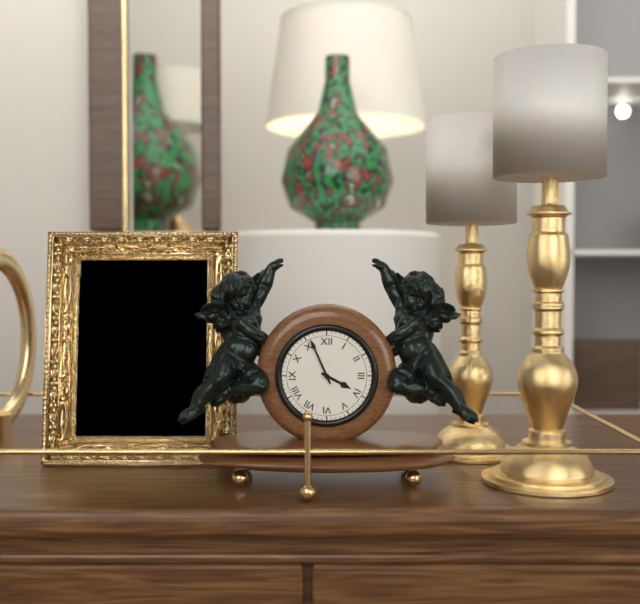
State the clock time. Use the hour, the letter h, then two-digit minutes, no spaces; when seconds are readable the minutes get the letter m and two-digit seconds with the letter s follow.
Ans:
3h56
